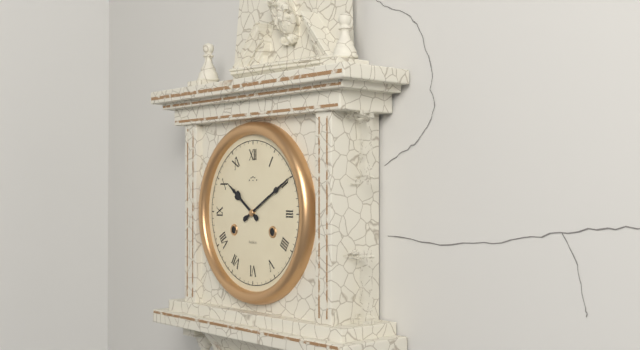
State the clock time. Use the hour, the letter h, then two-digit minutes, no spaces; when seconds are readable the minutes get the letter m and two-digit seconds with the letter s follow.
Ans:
10h10
